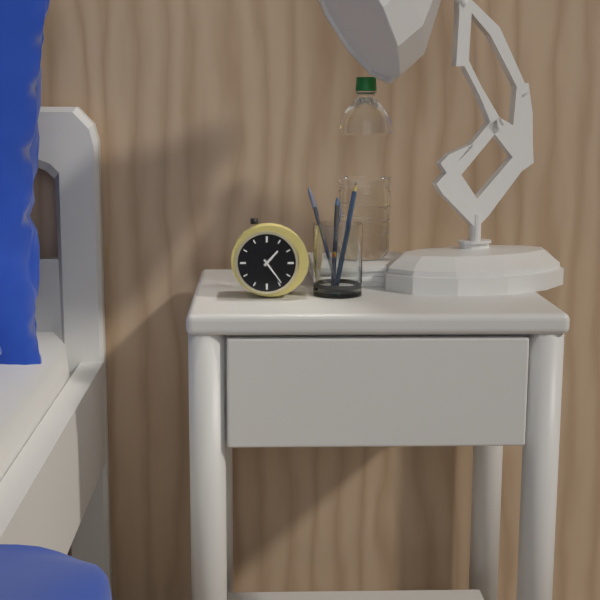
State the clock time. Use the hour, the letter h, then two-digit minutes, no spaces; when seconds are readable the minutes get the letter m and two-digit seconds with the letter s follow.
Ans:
1h24
